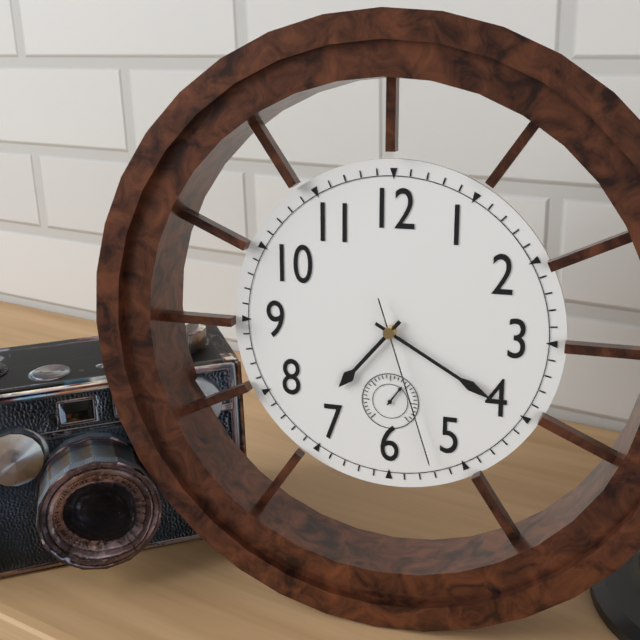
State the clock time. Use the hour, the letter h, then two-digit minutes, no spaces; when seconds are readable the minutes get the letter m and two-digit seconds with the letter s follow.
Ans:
7h20m27s
